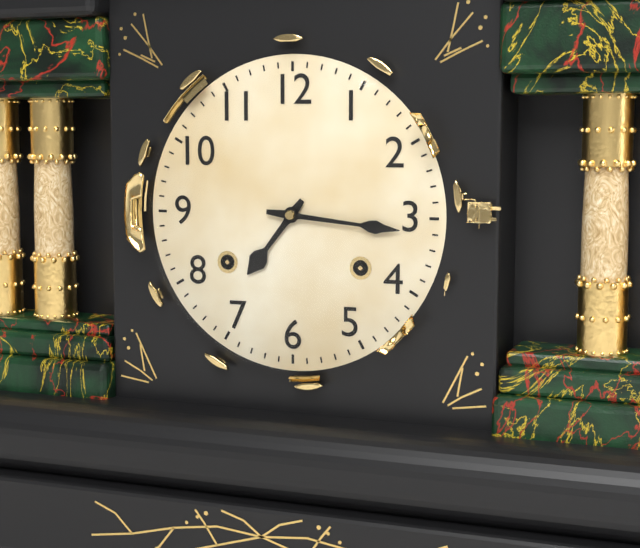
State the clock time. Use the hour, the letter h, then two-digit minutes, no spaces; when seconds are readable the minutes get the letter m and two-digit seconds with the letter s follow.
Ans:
7h16
